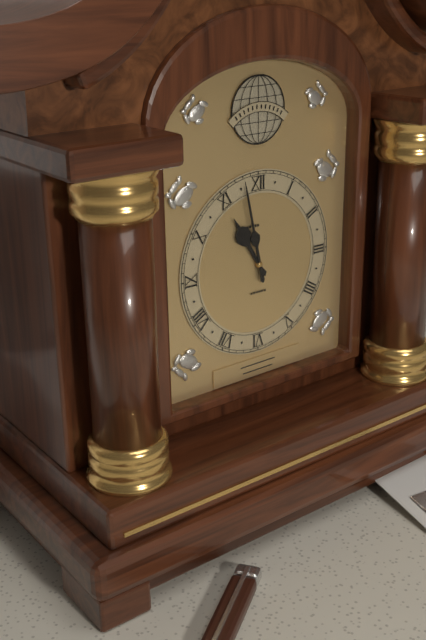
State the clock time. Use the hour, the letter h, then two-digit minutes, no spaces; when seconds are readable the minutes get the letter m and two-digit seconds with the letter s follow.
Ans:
10h58
